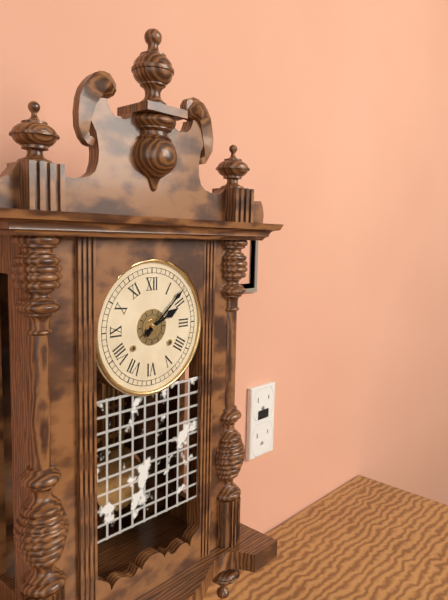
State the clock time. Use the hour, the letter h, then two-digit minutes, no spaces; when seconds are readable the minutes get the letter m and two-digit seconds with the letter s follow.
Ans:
2h08
